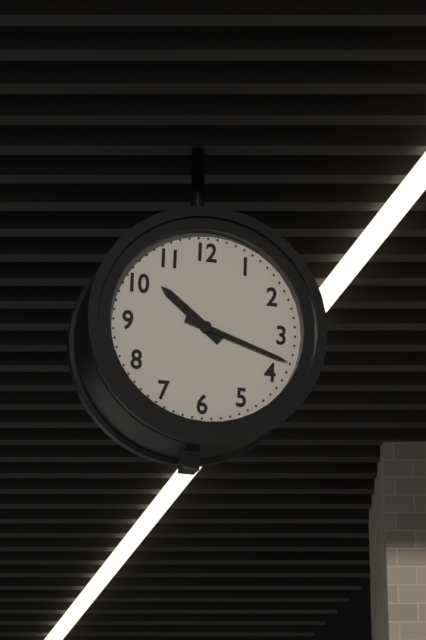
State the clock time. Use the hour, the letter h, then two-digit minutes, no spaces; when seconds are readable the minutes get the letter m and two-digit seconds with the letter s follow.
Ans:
10h18
